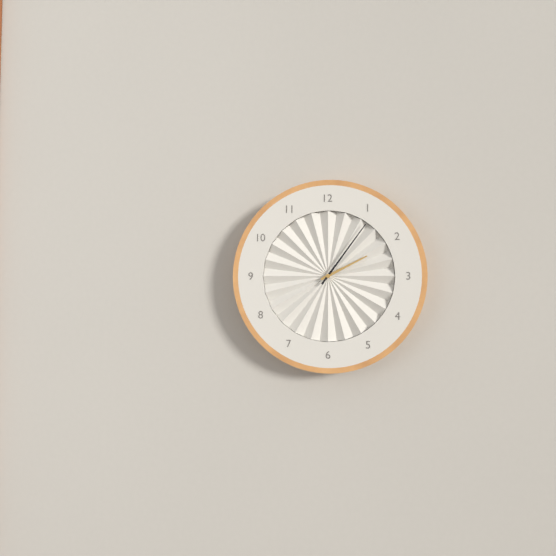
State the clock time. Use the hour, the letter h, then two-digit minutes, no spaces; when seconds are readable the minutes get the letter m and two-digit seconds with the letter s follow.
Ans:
2h06
